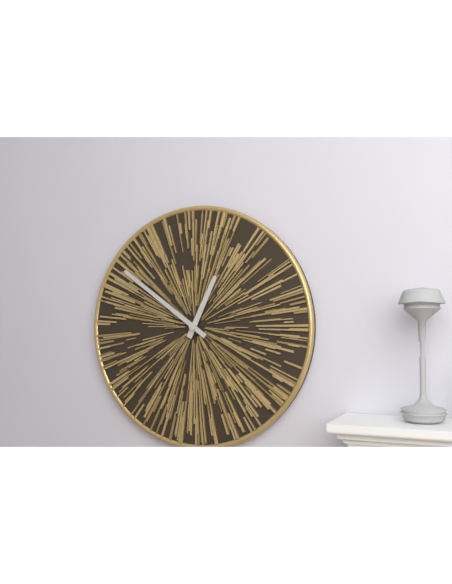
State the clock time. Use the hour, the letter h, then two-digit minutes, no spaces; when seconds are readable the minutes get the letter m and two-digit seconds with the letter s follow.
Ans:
12h51
